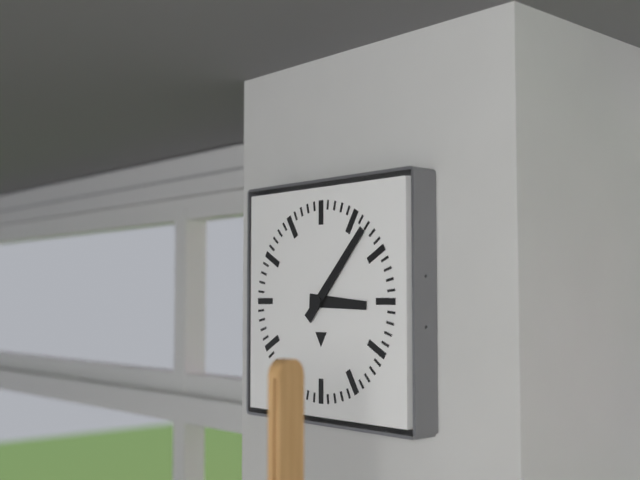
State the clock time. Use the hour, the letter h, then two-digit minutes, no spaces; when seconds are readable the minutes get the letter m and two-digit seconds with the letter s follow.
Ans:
3h07
